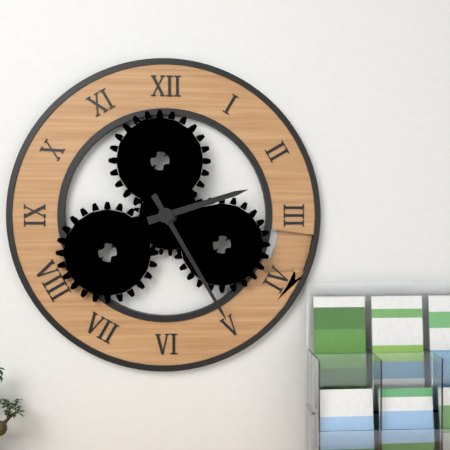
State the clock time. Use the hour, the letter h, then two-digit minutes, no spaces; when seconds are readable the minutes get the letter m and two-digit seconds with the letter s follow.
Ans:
2h25
